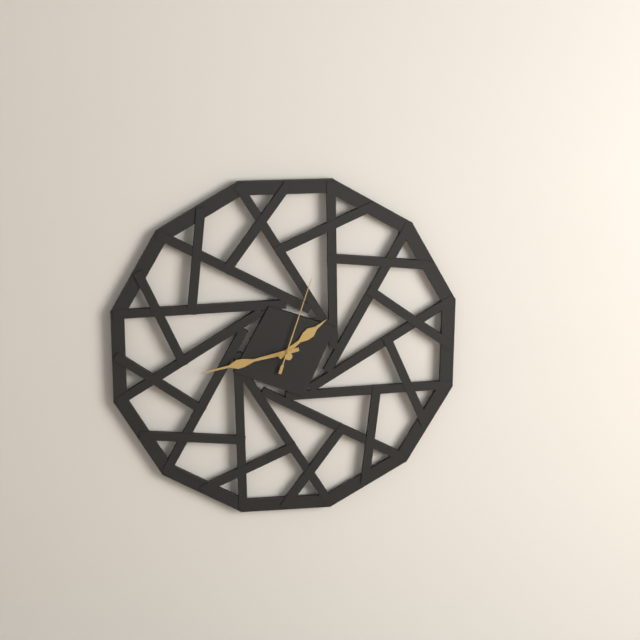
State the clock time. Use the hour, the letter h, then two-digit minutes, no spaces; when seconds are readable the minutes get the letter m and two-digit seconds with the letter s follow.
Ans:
1h43m03s
